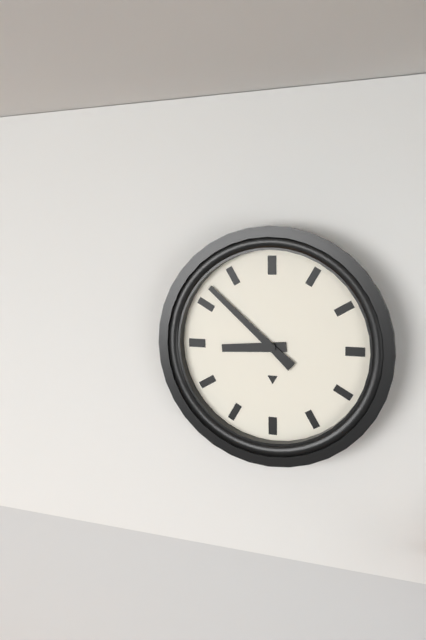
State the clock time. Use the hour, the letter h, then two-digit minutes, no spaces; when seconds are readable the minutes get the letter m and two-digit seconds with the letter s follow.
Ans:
8h52
